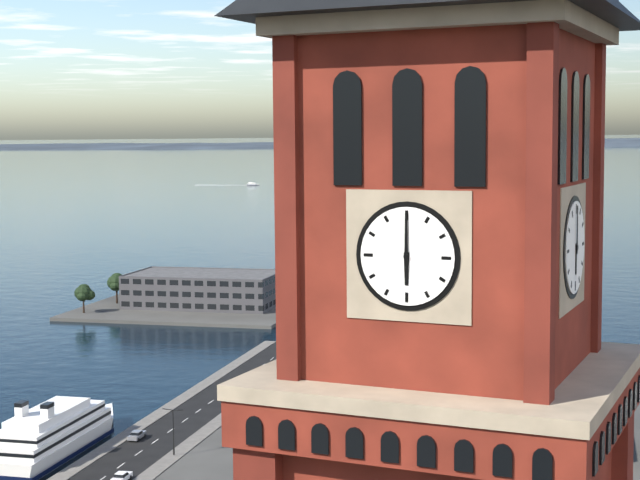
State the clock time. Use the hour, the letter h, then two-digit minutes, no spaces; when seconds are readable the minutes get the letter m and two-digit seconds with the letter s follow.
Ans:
6h00
